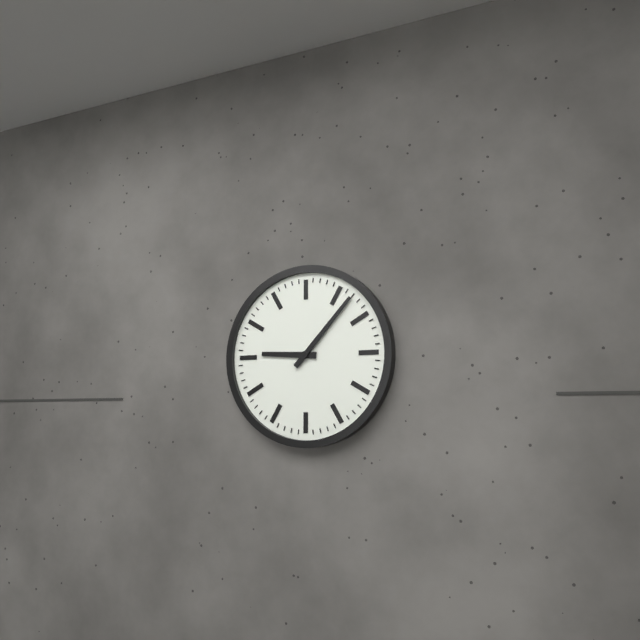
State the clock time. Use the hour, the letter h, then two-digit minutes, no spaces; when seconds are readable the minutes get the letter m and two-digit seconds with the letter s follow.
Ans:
9h07
